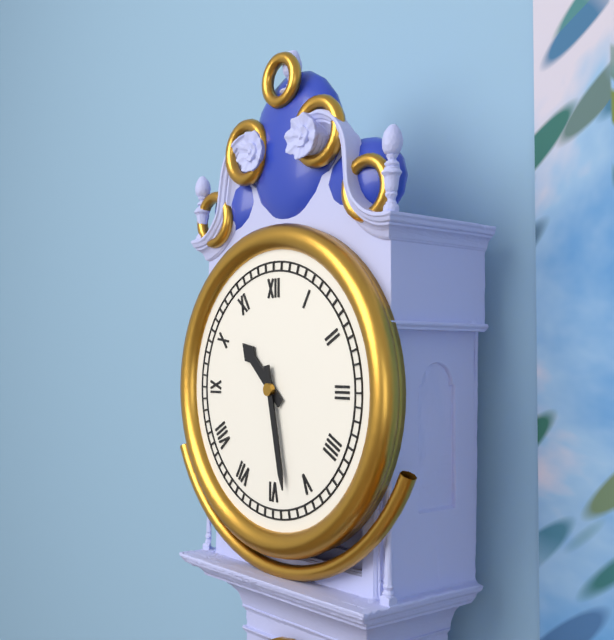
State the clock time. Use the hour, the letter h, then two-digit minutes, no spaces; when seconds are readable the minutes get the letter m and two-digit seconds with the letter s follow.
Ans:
10h28
